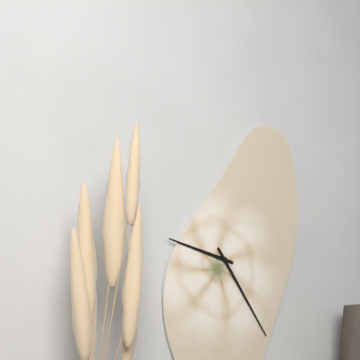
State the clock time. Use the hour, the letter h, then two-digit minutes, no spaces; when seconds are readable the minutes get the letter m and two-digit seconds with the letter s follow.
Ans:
9h24
